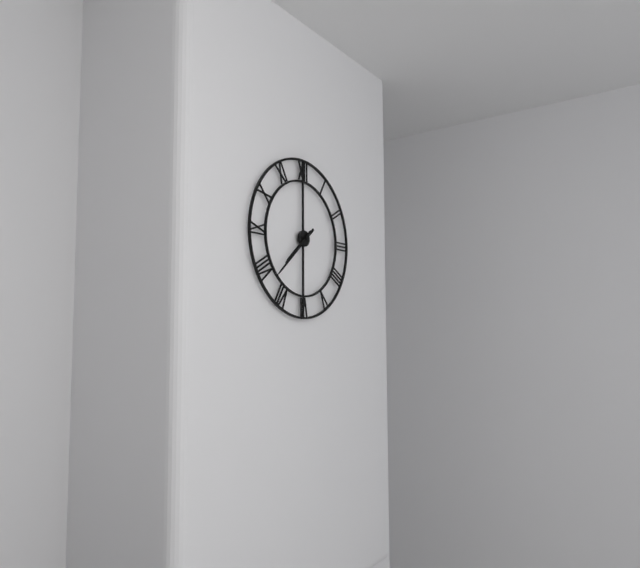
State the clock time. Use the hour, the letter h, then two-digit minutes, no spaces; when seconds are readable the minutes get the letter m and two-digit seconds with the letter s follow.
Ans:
7h38
